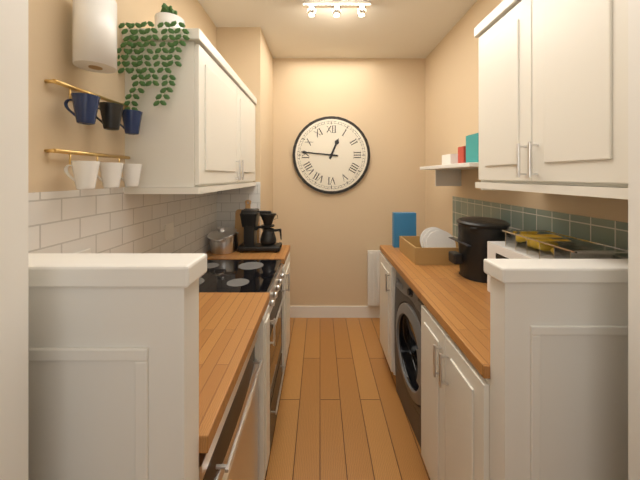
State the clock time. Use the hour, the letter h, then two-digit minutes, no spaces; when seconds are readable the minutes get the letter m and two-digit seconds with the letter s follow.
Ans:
12h46
